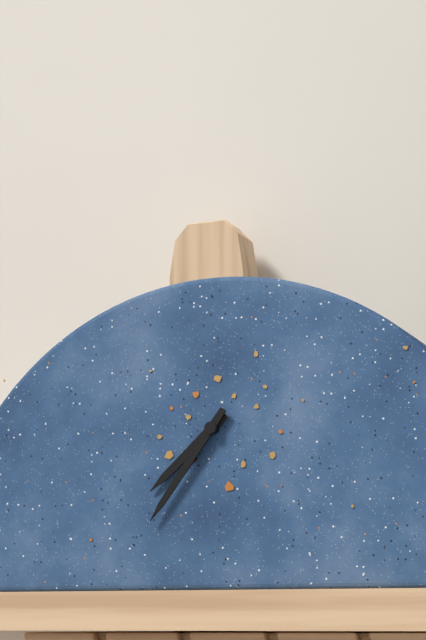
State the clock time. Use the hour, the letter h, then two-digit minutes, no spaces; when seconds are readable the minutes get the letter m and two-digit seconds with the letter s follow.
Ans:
7h36
